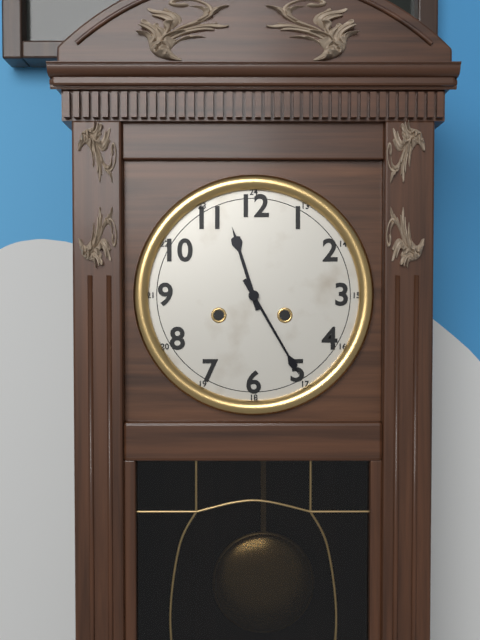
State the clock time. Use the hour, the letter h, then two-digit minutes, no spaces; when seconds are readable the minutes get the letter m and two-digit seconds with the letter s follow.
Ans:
11h25
